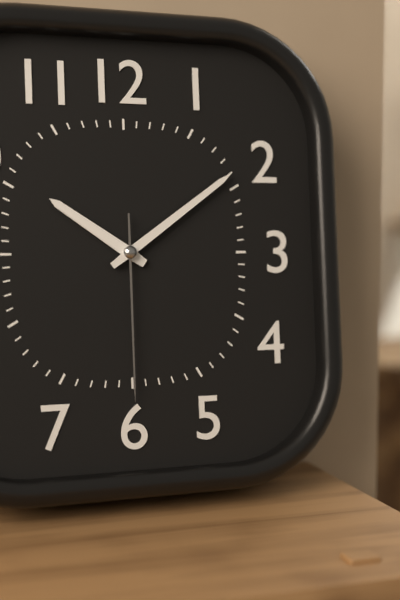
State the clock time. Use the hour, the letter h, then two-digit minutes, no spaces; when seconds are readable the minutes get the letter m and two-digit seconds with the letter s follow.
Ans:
10h09m30s
